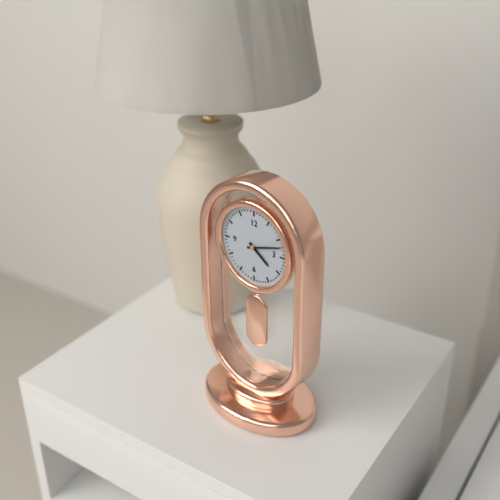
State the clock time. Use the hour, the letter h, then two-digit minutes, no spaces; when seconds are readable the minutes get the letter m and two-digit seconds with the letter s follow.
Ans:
4h12
